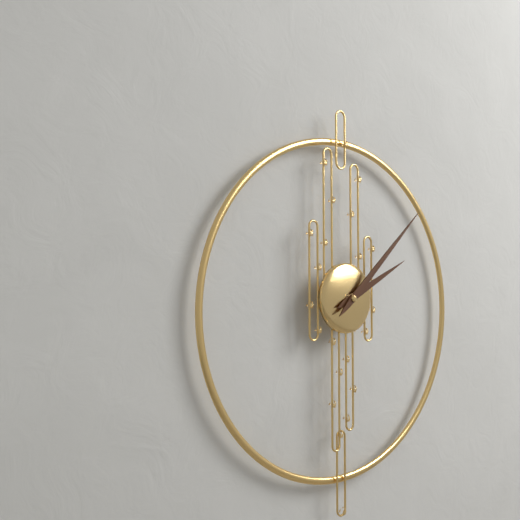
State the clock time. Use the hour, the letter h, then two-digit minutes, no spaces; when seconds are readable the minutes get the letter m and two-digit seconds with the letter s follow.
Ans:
2h08
